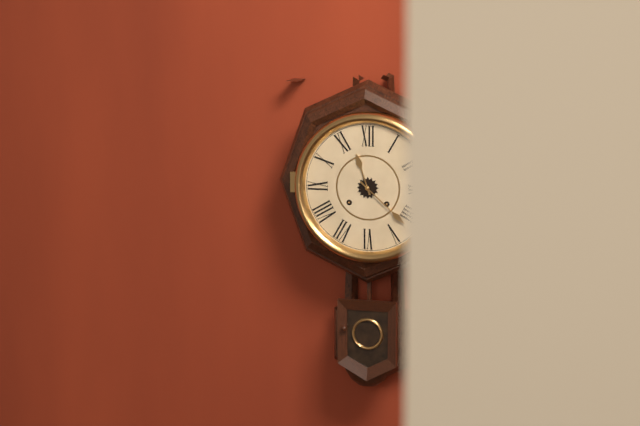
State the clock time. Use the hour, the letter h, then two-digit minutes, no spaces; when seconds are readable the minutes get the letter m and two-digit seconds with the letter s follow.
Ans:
11h22
